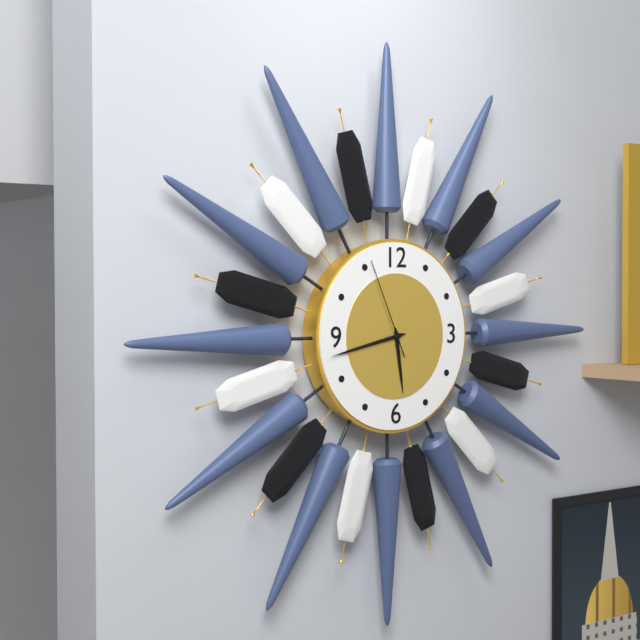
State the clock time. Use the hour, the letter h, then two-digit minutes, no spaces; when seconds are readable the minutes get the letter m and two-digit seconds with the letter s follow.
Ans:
5h43m56s
